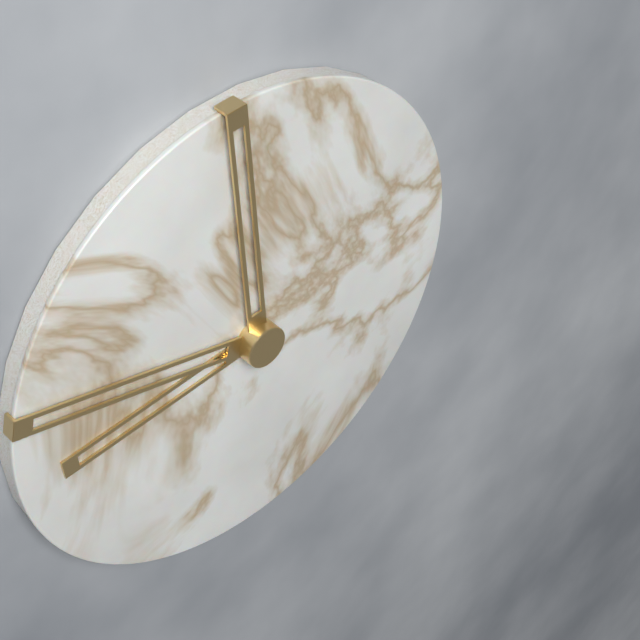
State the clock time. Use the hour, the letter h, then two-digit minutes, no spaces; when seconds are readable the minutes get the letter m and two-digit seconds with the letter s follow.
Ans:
8h47m59s
